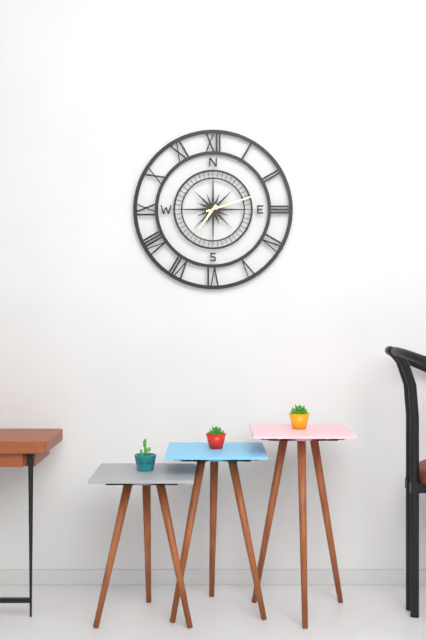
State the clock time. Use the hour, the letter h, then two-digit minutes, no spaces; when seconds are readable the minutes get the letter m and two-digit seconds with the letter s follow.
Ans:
7h12
